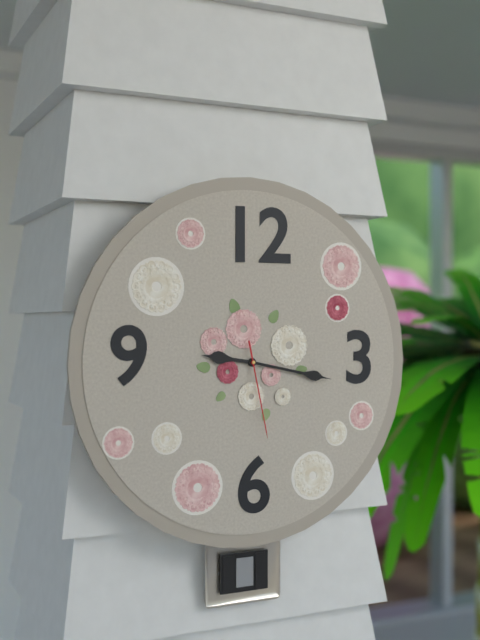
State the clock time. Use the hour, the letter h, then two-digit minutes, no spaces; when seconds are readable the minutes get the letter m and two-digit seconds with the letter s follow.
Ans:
9h17m28s
